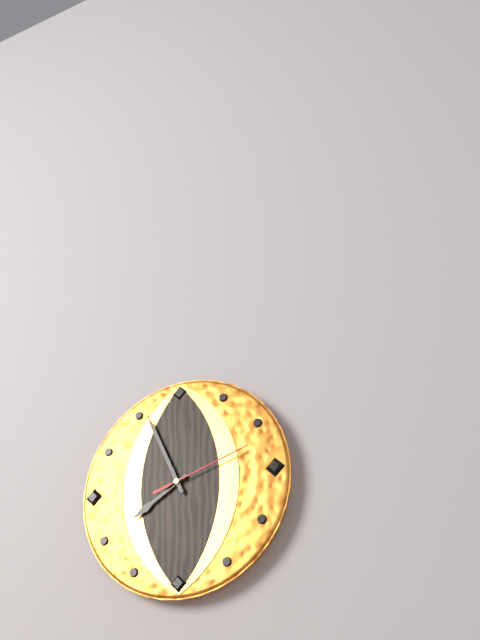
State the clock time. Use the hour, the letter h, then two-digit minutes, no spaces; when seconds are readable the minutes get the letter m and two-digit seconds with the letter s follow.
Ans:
7h56m12s
